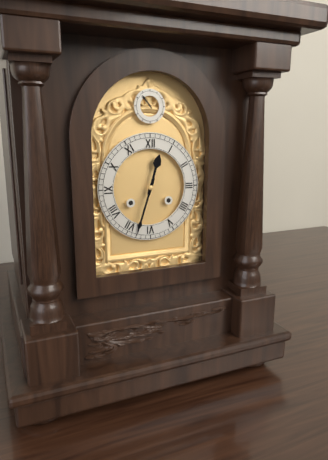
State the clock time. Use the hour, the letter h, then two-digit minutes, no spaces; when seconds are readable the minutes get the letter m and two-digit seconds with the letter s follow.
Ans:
12h33
